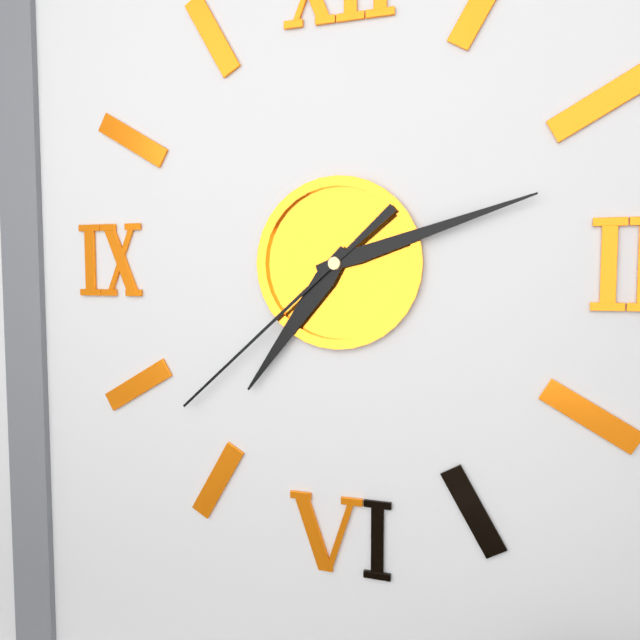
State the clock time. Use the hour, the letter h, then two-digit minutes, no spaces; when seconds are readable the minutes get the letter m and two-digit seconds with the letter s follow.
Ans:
7h12m38s
